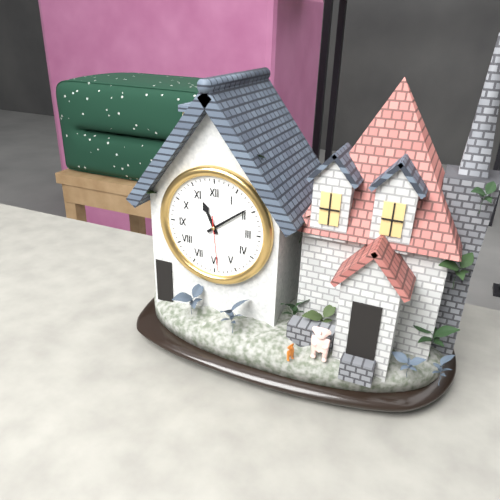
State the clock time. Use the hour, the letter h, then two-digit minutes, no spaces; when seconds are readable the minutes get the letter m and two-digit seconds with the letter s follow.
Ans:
11h09m29s
